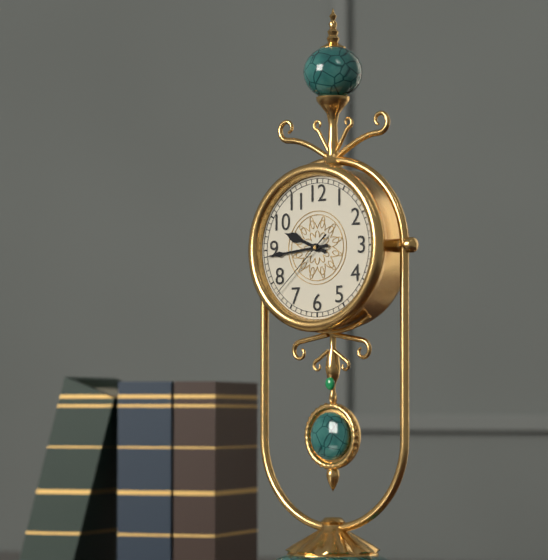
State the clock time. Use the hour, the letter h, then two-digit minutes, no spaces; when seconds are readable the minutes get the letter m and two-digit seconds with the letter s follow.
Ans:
9h44m38s
